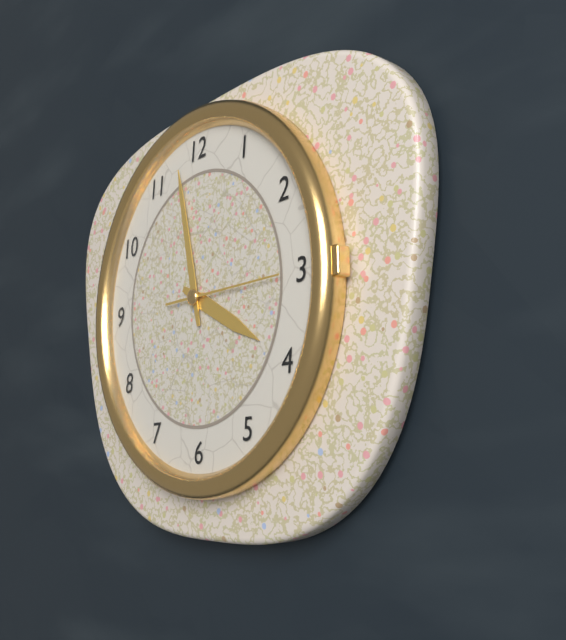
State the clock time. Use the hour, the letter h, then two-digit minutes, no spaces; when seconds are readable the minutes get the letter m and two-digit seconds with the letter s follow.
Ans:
3h58m15s
